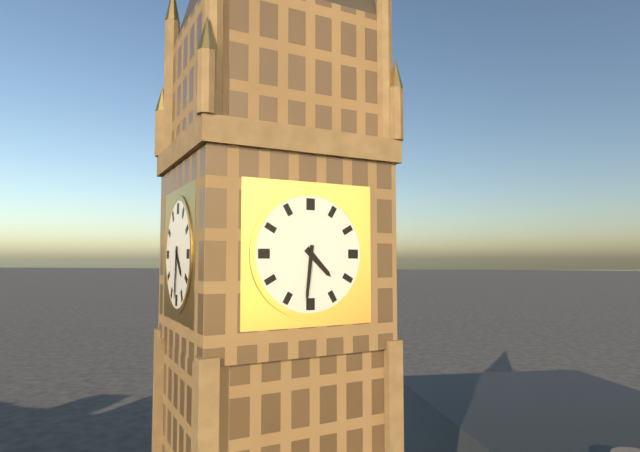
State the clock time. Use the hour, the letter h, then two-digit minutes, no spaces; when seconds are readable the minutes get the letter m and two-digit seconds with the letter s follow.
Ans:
4h31
